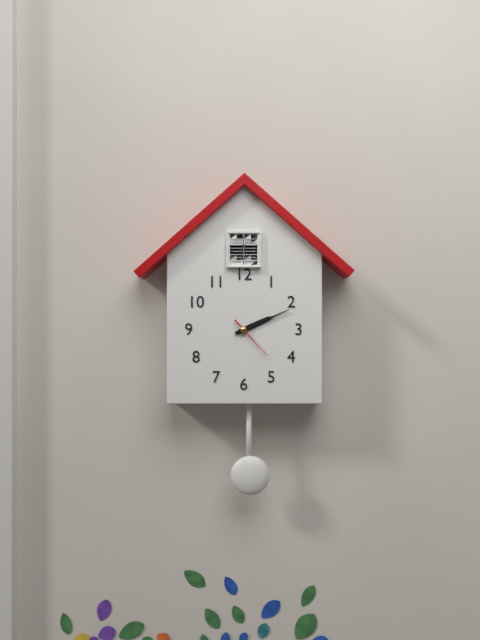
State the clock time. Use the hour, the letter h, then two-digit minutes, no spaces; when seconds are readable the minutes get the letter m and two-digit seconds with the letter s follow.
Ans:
2h11
